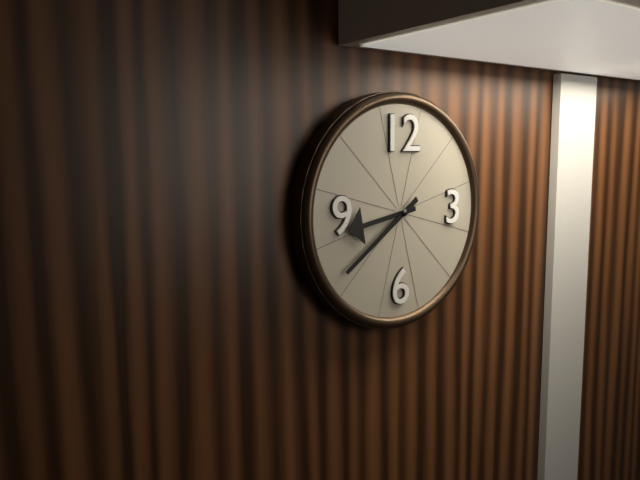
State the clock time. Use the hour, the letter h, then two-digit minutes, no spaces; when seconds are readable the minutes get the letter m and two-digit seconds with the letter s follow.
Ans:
8h39
